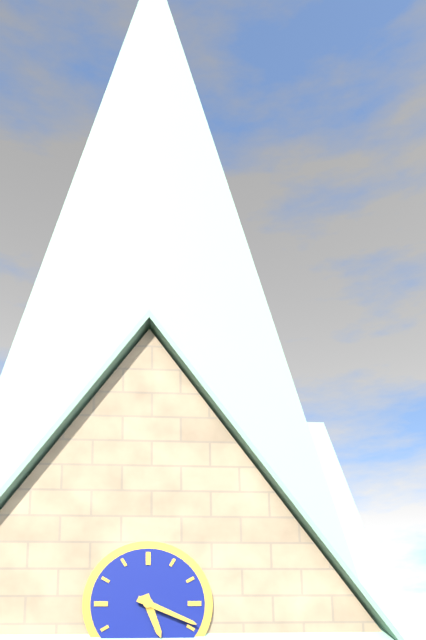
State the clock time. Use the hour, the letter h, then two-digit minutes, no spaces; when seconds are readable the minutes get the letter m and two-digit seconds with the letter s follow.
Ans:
5h19
